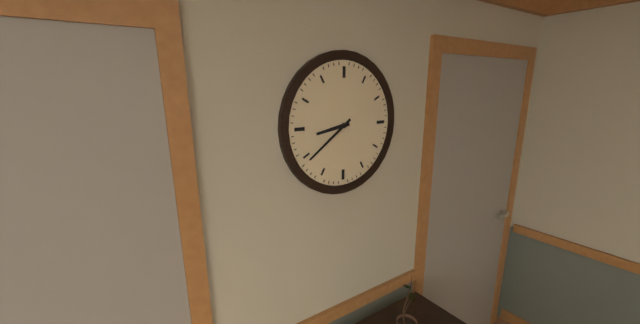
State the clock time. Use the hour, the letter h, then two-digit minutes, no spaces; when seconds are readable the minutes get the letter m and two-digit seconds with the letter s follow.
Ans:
8h39
